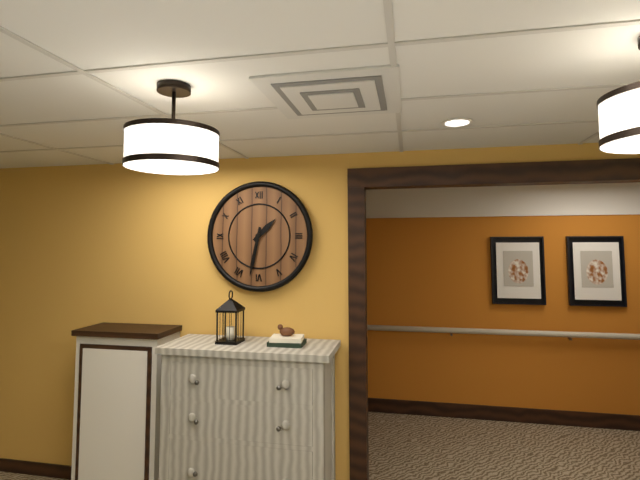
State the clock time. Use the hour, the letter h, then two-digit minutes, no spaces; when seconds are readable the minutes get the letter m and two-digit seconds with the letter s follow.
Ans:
1h32
